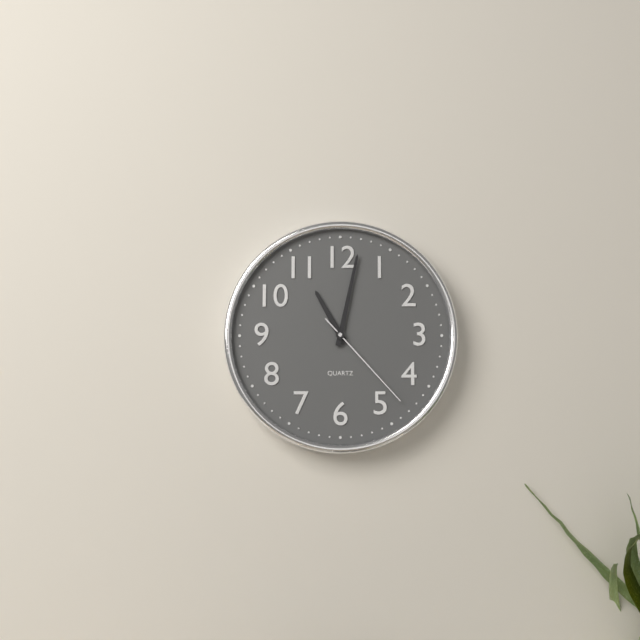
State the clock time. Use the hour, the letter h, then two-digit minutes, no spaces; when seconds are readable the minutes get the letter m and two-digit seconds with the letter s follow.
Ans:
11h02m23s
